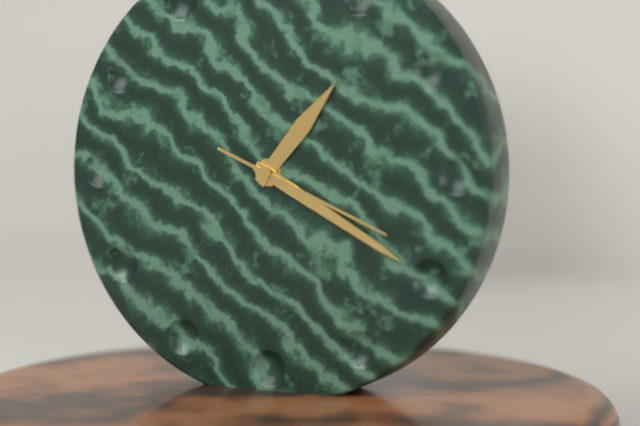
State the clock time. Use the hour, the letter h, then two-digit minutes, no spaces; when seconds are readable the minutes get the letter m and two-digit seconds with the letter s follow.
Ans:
1h20m19s
